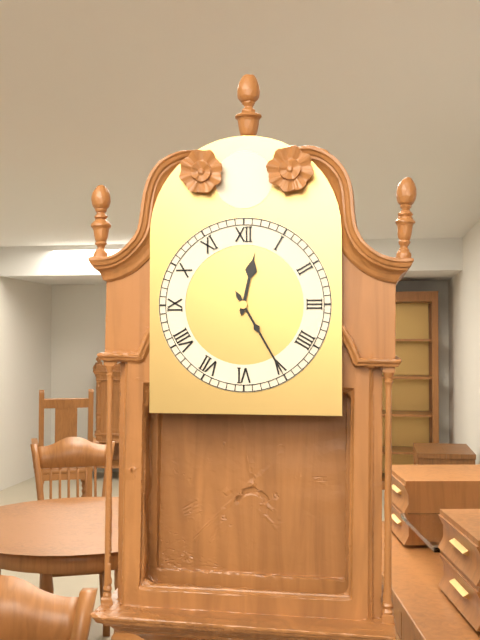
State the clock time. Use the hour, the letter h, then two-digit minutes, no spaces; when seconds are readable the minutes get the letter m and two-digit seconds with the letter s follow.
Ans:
12h25
